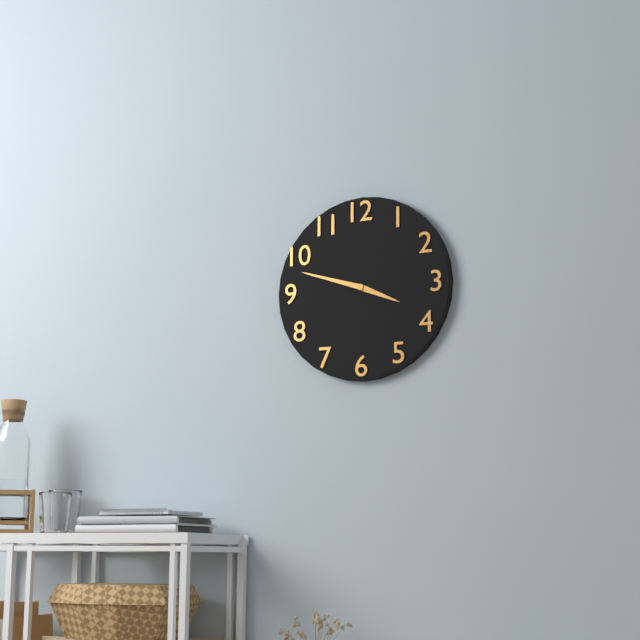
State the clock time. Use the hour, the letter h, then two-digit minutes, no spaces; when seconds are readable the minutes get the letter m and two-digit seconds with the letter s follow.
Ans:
3h48
